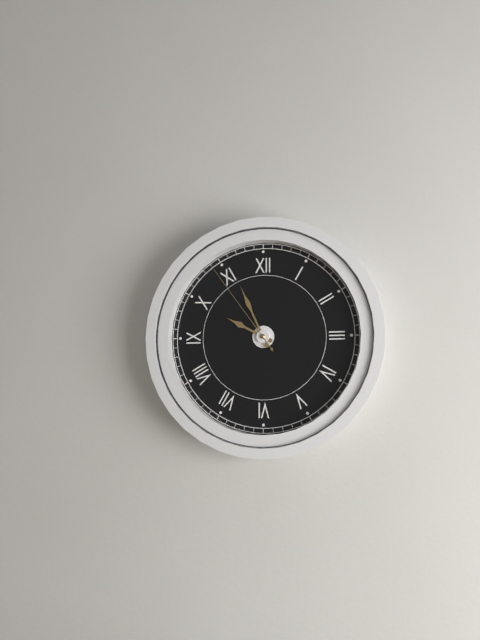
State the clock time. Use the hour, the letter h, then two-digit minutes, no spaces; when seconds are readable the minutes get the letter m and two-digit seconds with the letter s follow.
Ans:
9h56m54s
